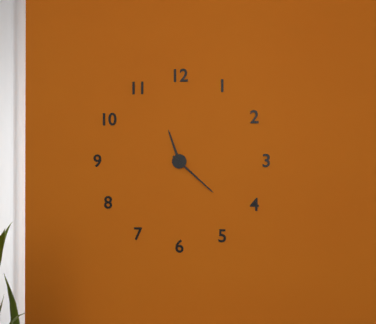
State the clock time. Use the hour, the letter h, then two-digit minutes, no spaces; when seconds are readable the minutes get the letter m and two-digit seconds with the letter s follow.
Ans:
11h22
